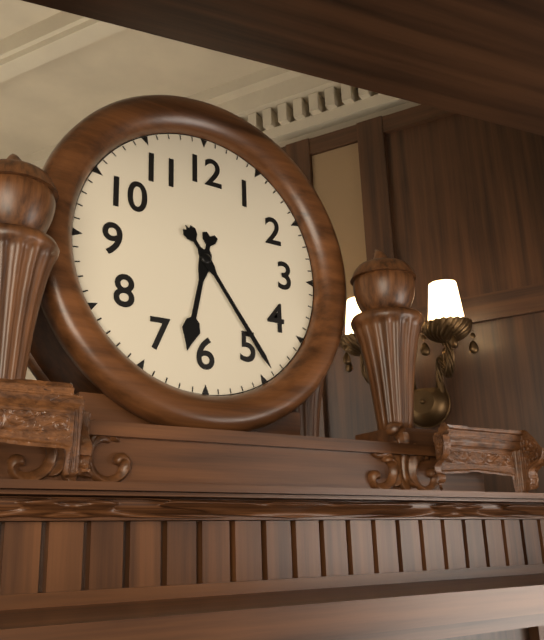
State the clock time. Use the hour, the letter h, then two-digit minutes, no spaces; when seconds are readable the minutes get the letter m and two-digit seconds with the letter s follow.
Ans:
6h24
